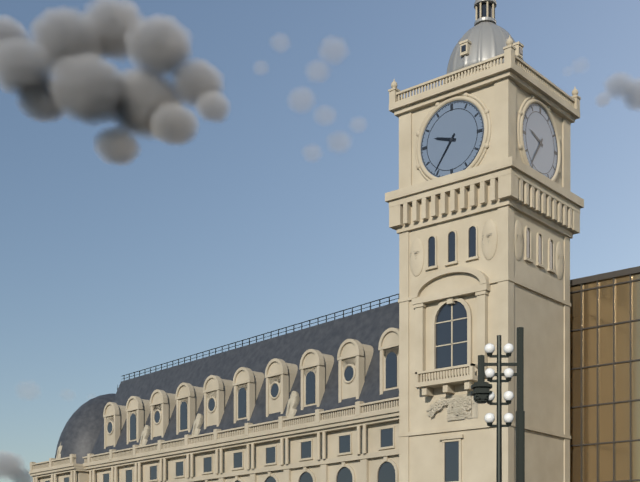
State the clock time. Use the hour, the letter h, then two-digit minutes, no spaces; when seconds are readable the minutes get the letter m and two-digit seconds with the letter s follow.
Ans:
9h36
